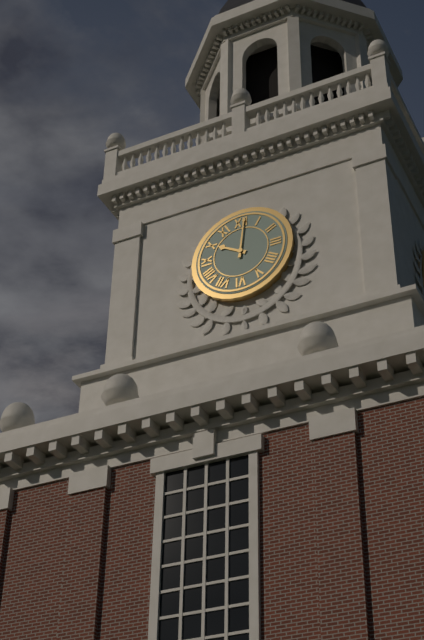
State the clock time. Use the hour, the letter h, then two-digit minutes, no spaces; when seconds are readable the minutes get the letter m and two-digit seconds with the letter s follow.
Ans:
10h01
